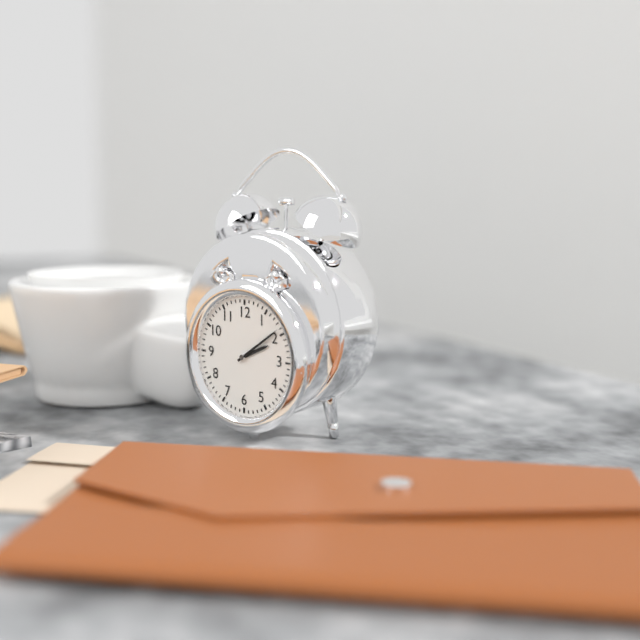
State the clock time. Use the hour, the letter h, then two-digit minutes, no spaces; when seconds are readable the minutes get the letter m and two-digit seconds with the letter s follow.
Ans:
2h09
